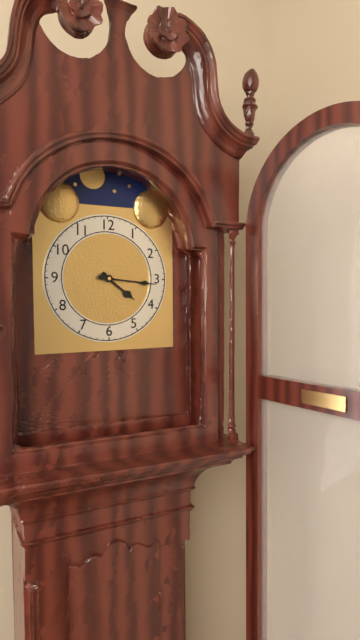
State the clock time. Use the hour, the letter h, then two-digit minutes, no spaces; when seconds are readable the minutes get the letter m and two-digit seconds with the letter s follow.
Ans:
4h16
